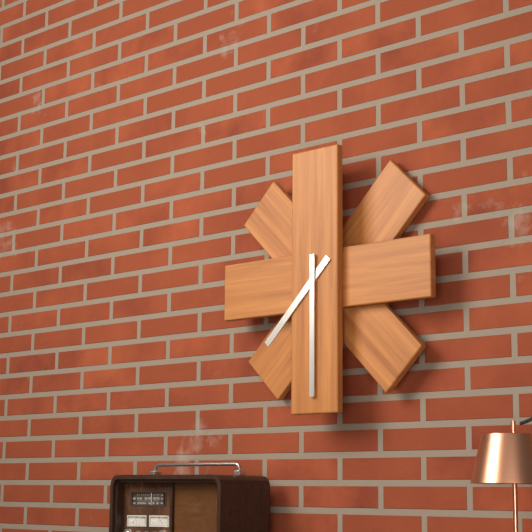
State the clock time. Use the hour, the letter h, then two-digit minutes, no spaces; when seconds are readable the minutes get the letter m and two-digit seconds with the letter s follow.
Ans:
7h30
